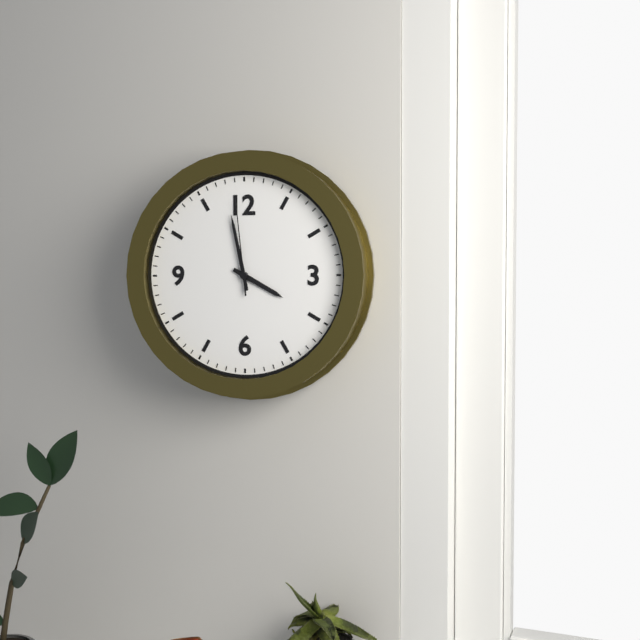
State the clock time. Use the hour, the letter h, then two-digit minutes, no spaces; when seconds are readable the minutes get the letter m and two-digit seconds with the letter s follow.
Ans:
3h58m59s
